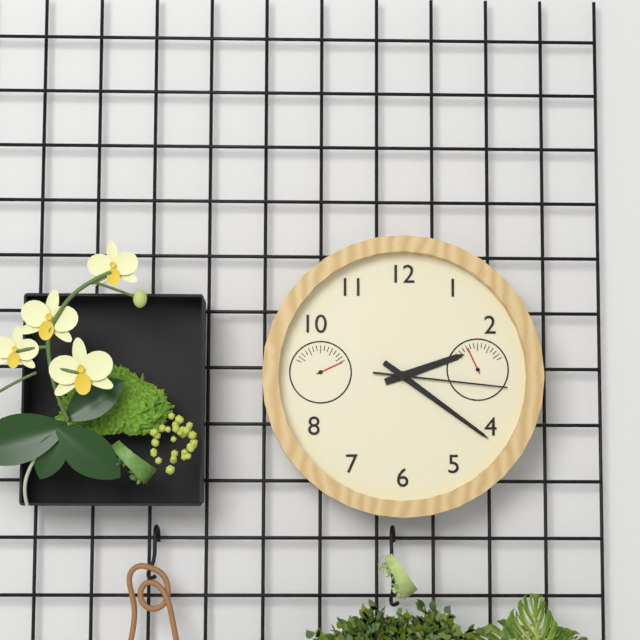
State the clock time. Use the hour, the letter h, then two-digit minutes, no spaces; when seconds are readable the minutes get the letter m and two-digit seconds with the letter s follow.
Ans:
2h21m16s
